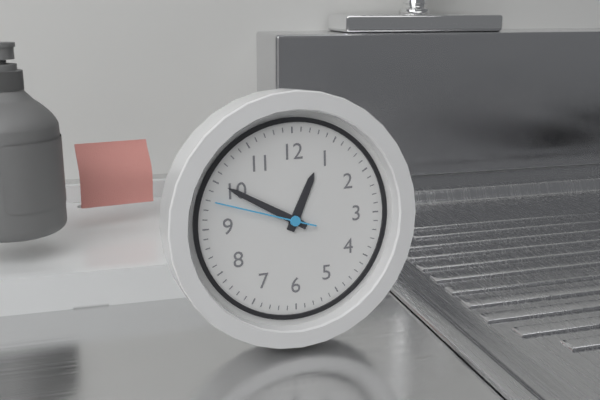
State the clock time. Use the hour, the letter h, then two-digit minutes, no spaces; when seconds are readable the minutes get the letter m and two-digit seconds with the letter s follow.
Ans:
12h50m48s
